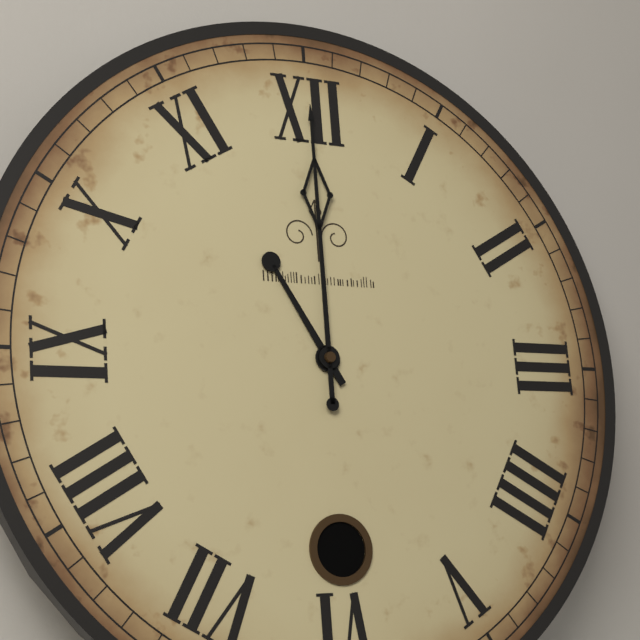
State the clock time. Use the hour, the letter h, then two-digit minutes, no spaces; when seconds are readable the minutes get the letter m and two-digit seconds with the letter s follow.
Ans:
11h00
